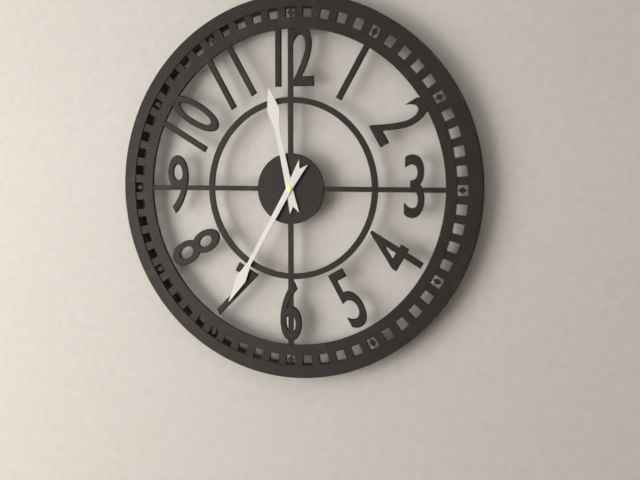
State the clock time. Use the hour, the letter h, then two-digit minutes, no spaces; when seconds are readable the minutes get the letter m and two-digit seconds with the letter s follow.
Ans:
11h35
